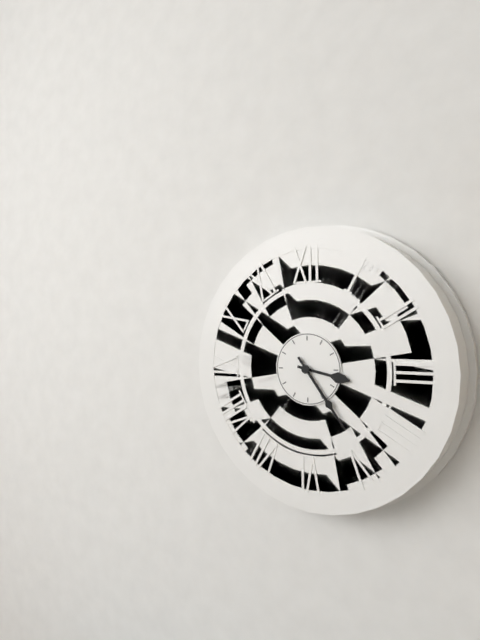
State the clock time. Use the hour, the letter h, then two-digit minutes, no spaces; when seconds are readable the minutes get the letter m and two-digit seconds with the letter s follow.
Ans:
3h24
